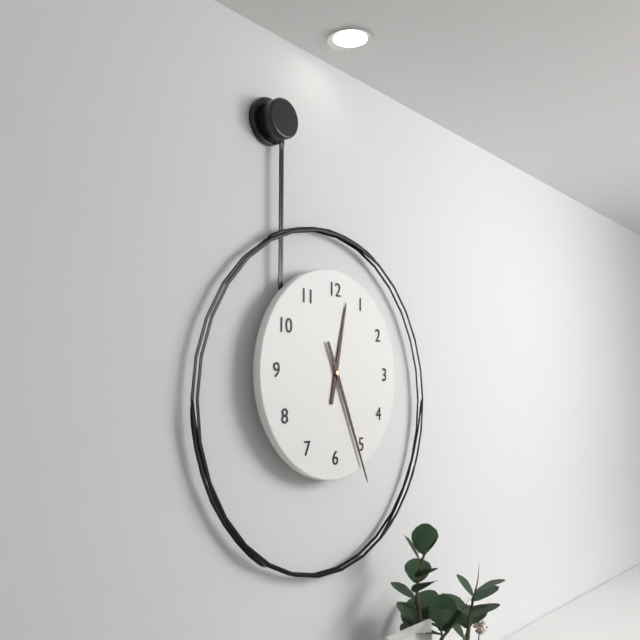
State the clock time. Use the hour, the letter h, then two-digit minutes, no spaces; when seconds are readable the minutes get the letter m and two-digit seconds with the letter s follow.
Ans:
12h26
